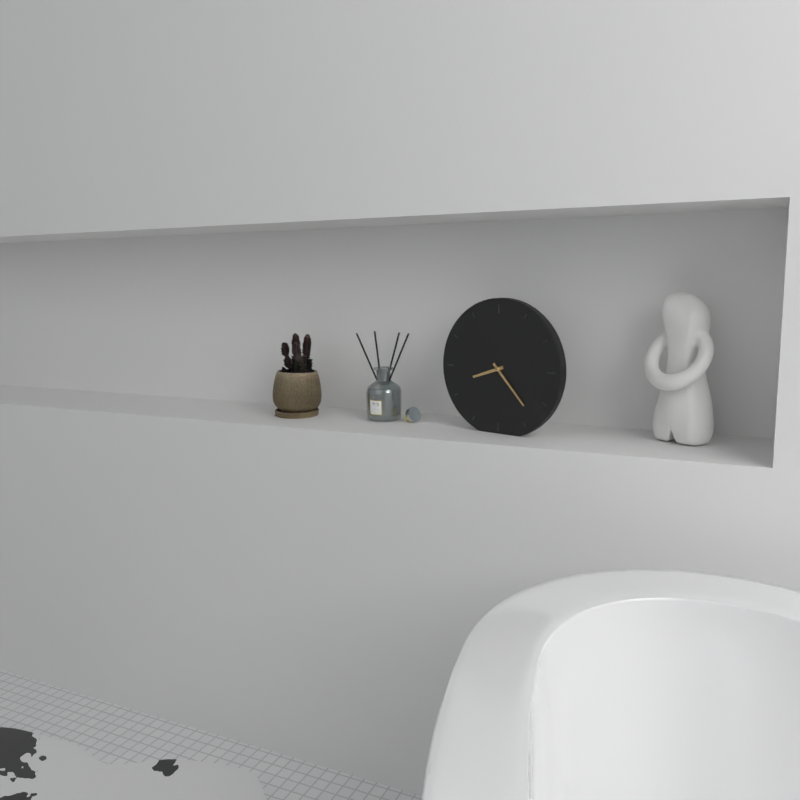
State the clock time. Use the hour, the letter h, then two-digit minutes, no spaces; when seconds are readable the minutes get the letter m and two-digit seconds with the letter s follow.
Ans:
8h23
